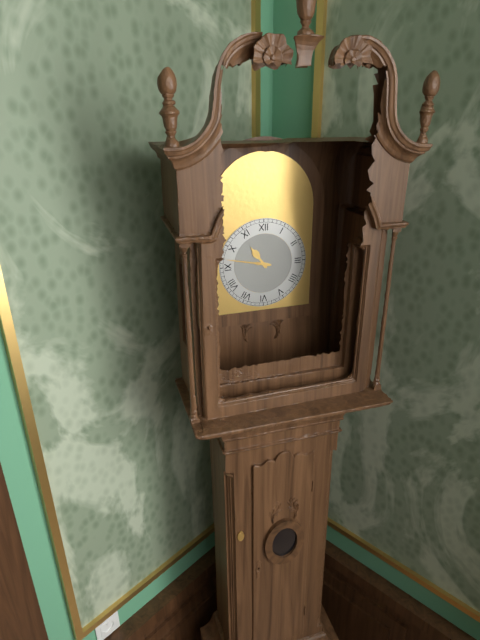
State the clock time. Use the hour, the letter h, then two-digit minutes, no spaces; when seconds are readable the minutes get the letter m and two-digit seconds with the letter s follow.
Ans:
10h47
